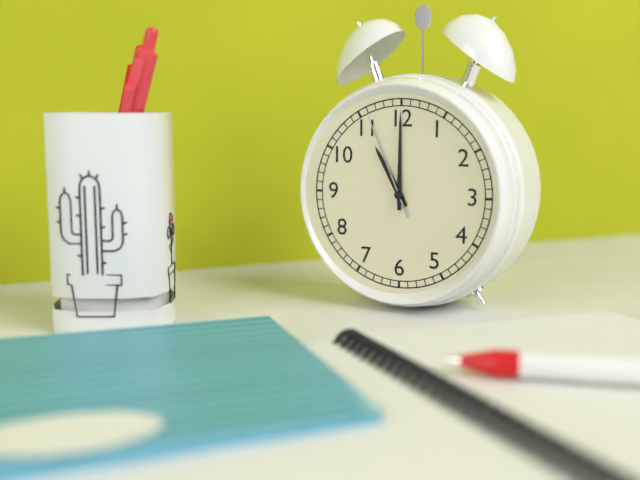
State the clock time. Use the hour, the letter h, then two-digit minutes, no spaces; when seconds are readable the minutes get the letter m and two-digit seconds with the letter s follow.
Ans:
11h00m56s
